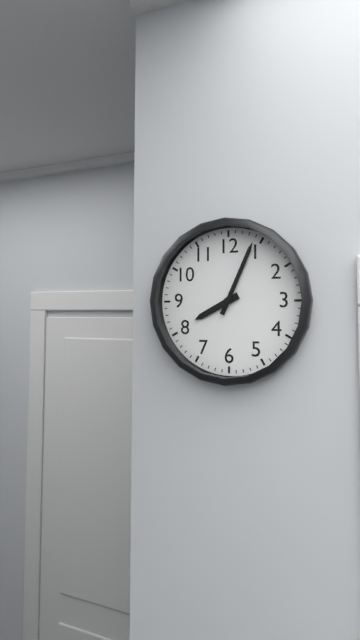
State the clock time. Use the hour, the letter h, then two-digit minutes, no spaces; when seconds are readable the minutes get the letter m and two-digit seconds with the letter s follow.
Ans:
8h04
